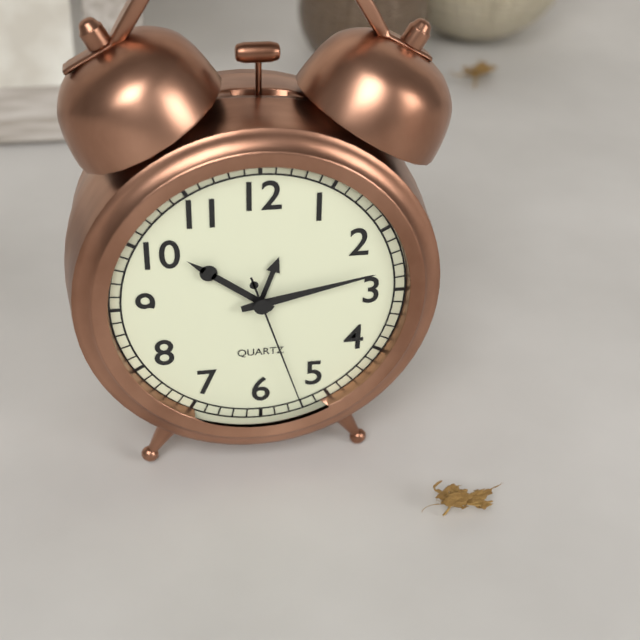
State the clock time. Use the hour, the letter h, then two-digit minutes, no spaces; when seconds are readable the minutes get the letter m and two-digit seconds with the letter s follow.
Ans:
10h13m27s
